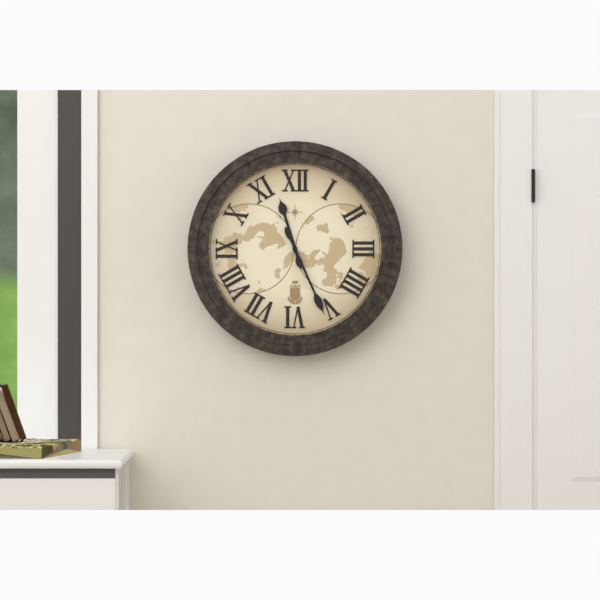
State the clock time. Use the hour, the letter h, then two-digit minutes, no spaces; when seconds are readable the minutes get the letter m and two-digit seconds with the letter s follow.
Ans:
11h26
